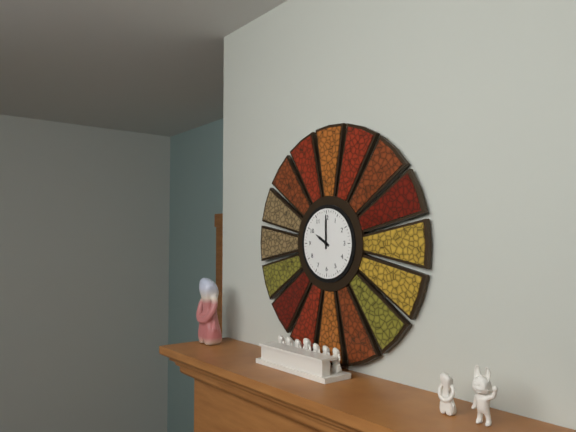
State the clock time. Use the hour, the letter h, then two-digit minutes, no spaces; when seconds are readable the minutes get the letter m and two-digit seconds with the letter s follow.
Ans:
10h00
